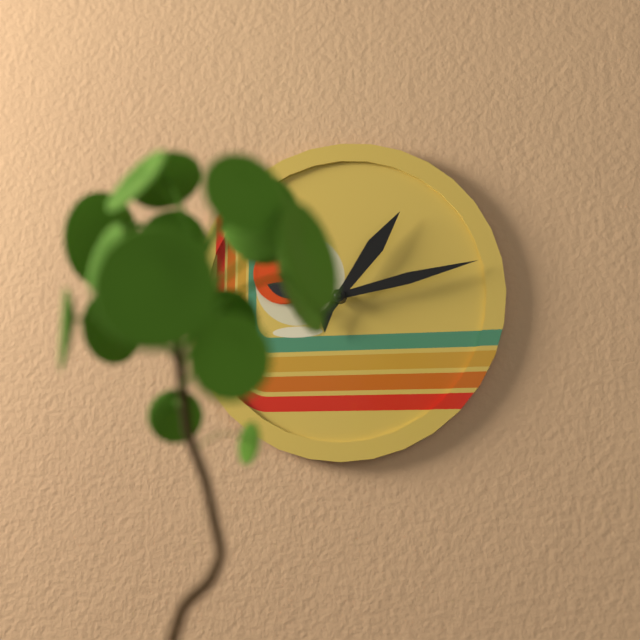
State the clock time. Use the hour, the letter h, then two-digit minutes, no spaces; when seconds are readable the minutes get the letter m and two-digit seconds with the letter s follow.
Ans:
1h13
